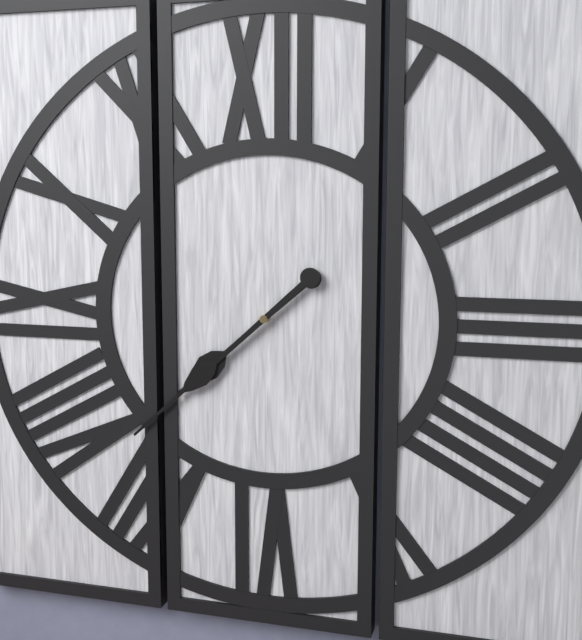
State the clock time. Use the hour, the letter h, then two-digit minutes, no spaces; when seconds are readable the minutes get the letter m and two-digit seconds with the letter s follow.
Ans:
7h38
